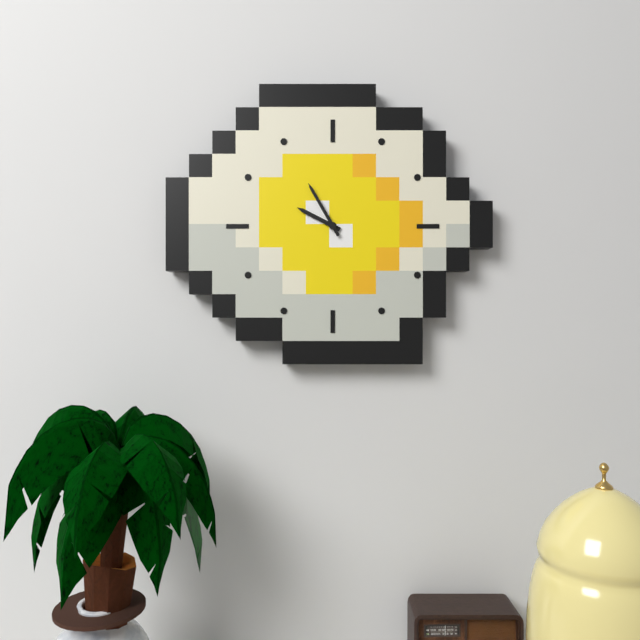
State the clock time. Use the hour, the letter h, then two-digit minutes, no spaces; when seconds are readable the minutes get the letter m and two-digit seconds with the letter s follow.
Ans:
9h55
